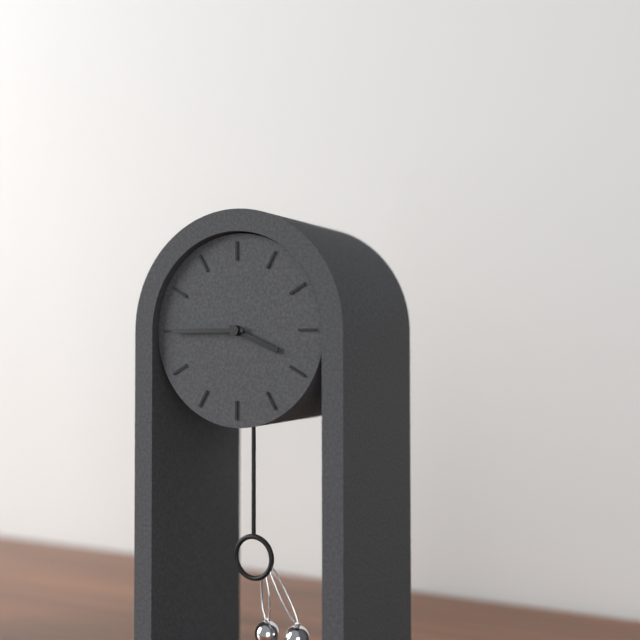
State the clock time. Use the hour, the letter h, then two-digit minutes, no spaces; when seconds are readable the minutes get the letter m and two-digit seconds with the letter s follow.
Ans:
3h45
